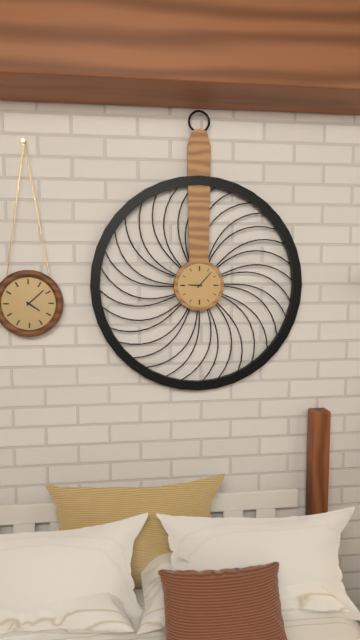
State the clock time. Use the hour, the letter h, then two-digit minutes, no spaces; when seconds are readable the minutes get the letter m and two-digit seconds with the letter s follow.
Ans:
9h07
